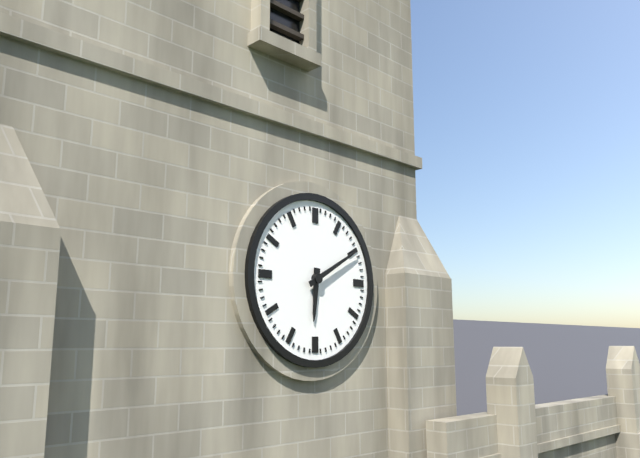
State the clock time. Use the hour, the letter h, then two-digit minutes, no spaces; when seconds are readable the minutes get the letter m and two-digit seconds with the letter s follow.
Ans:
6h10
